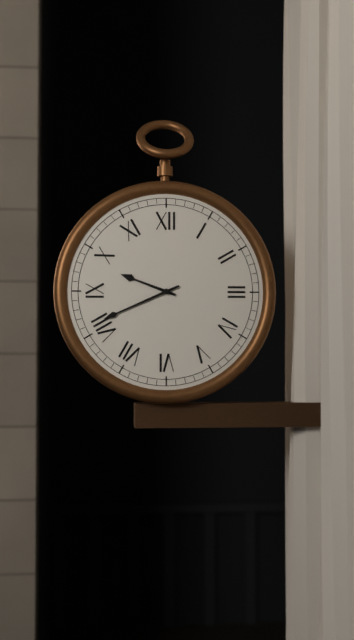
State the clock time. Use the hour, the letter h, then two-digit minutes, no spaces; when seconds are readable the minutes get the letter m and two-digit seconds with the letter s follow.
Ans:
9h41
